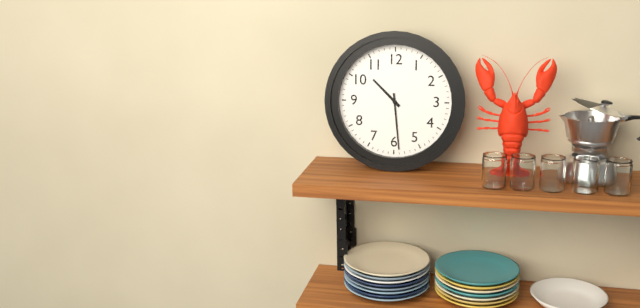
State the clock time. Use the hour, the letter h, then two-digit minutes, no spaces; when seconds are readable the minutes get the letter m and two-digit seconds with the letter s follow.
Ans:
10h29
